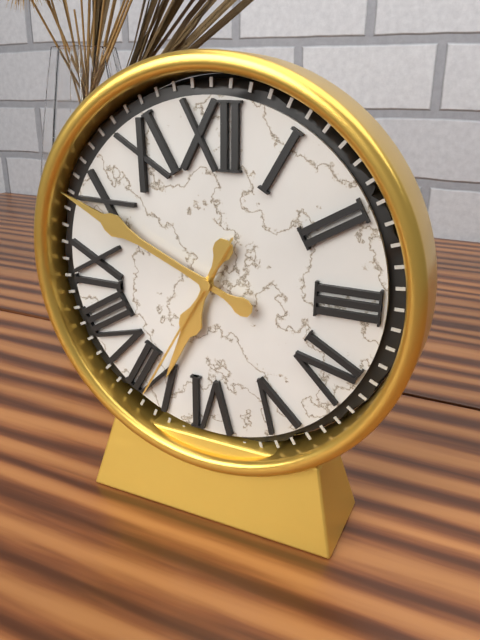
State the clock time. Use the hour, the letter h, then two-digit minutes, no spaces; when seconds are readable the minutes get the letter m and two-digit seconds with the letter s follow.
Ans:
6h49m35s
